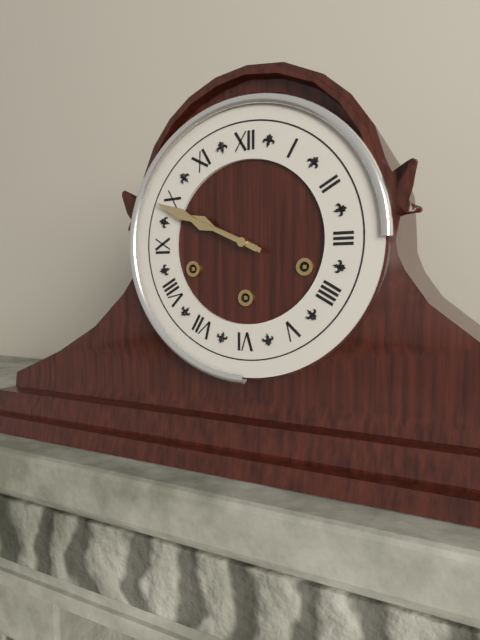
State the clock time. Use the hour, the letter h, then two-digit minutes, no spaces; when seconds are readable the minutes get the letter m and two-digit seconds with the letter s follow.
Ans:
9h49
